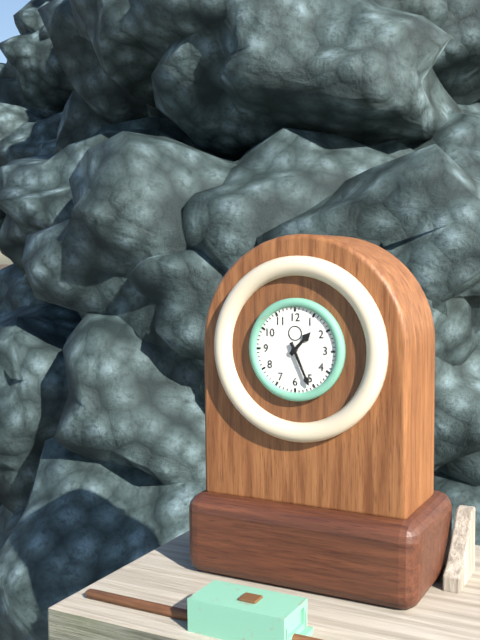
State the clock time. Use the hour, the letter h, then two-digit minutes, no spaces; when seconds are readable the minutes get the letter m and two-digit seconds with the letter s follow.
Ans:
1h26
